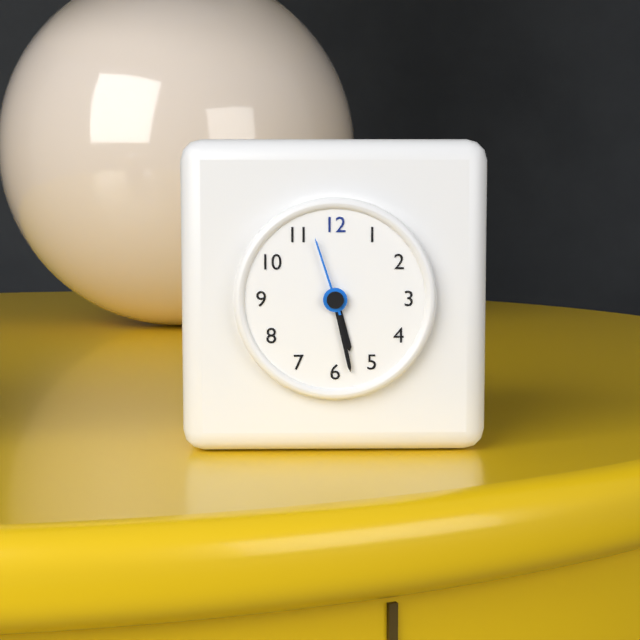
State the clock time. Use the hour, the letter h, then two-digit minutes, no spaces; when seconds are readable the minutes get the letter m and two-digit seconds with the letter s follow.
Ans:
5h28m57s
